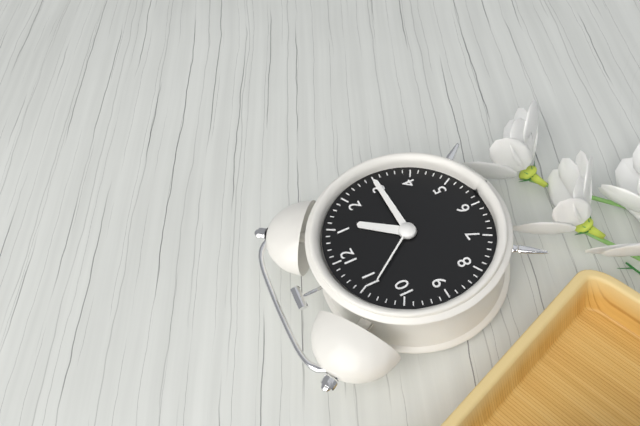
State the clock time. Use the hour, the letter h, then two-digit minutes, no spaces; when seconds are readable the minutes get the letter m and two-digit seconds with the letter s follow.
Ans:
1h15m54s
